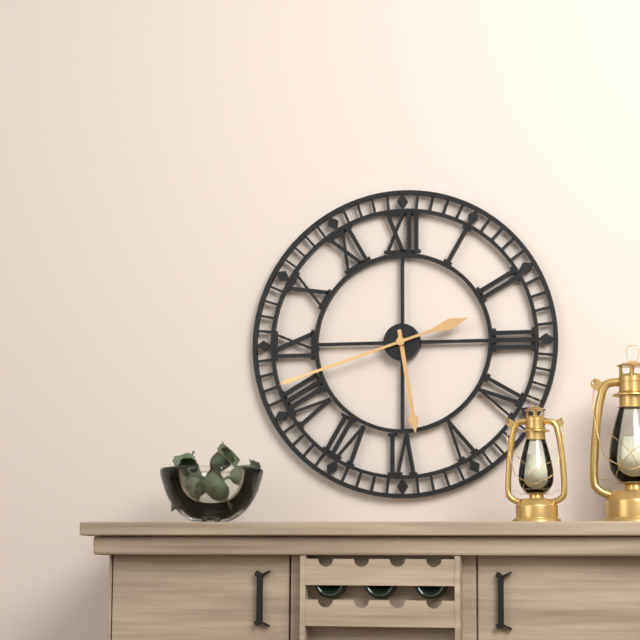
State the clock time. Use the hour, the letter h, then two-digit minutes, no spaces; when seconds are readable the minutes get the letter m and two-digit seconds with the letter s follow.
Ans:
5h42
